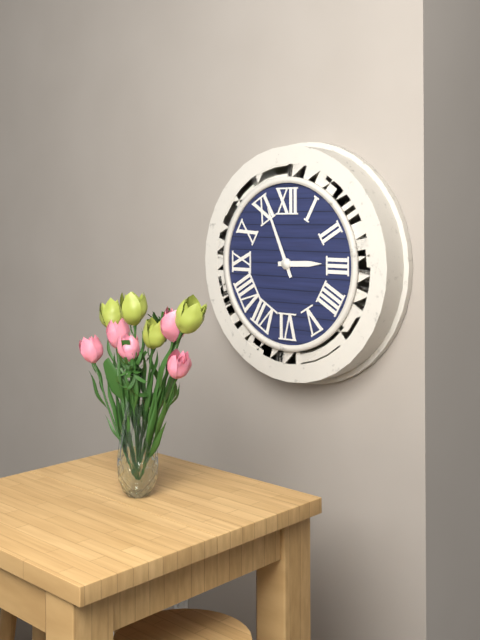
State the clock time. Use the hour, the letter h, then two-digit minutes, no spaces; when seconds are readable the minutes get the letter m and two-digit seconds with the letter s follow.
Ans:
2h56
